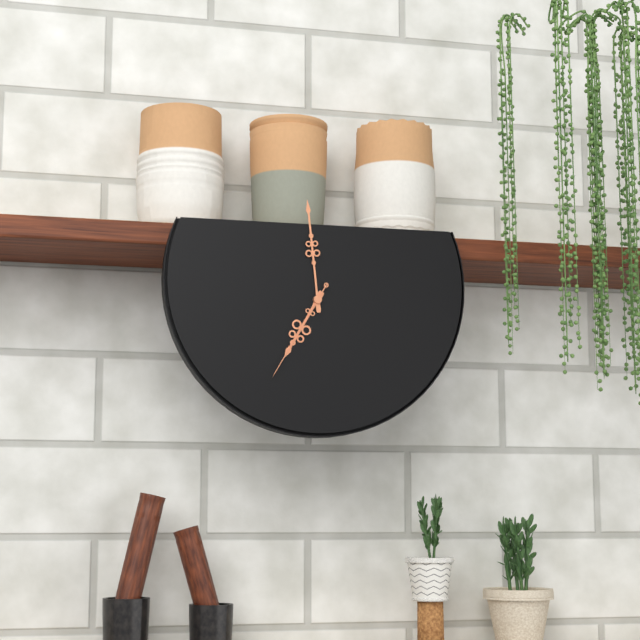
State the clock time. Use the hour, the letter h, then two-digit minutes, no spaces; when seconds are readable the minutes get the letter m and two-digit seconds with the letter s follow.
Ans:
6h59m35s
